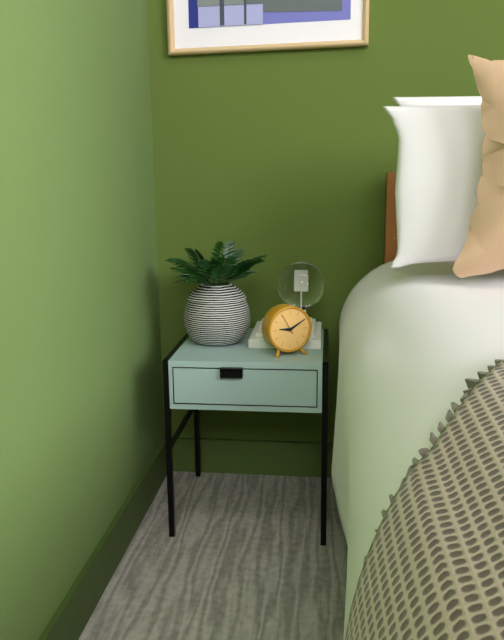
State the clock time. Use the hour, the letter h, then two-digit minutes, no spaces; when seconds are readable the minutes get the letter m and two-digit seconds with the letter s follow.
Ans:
9h10
